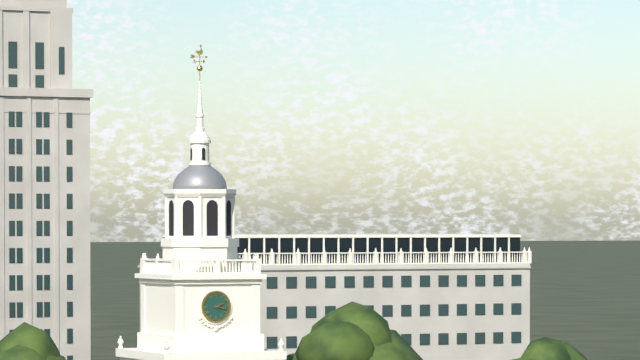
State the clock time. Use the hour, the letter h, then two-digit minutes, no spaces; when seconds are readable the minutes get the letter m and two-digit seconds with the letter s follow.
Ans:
2h17
